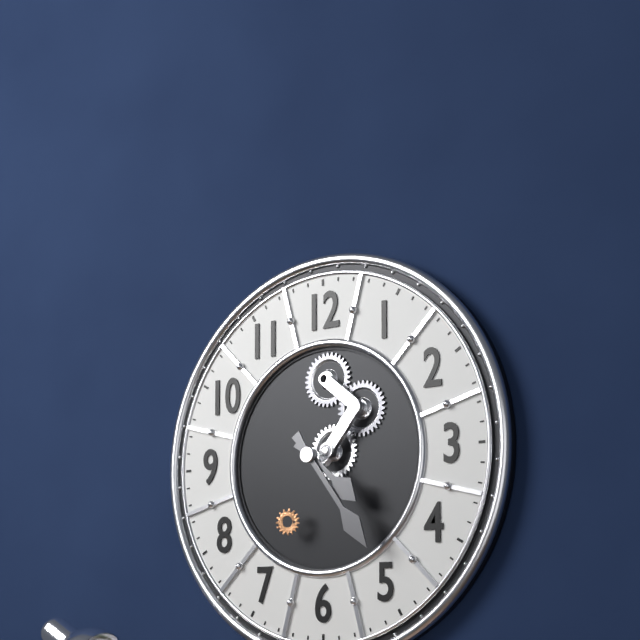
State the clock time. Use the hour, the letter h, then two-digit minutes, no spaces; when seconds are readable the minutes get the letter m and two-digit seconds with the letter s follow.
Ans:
4h24
